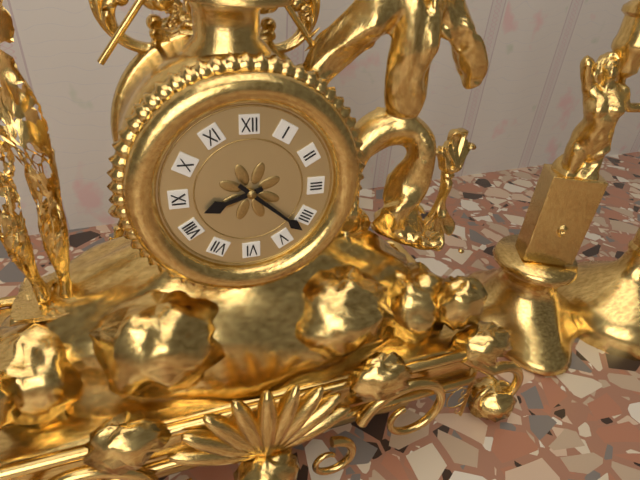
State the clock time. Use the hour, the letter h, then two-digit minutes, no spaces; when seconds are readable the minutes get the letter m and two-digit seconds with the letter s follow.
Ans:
8h22
